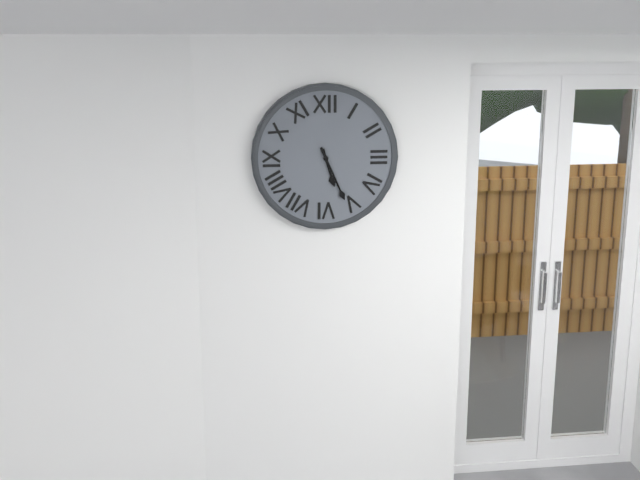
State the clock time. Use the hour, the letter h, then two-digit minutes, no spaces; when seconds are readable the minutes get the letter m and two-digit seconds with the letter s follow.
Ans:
5h26
